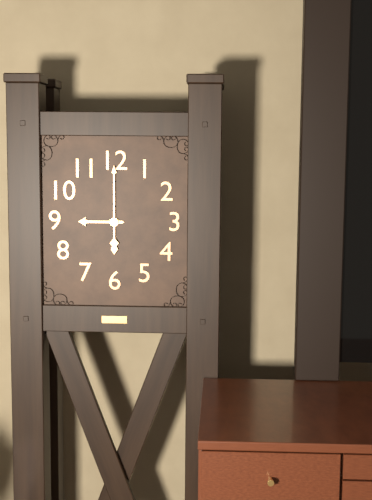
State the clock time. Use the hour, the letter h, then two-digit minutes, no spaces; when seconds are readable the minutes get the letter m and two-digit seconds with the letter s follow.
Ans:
9h00
